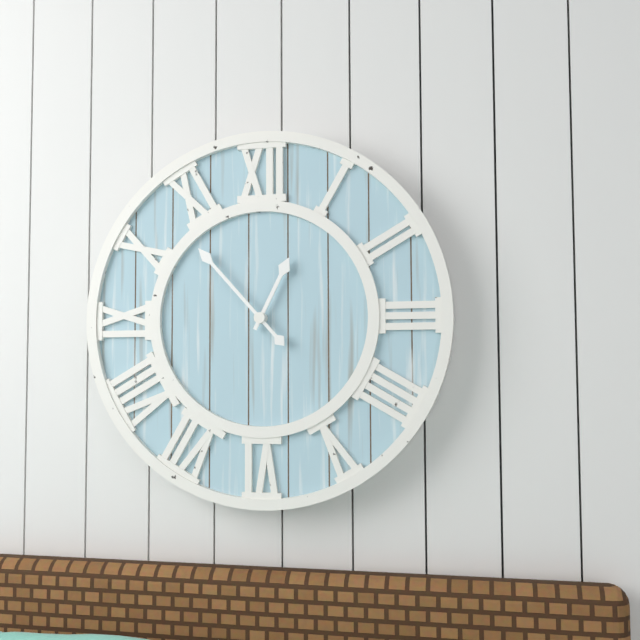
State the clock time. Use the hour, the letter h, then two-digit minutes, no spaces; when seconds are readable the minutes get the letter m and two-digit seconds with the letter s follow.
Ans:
12h53
